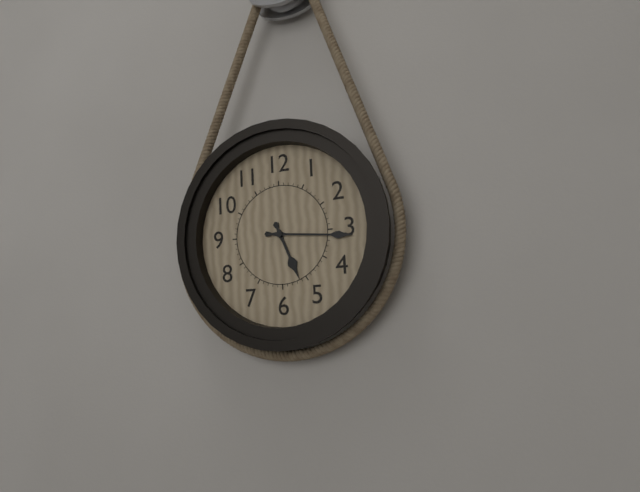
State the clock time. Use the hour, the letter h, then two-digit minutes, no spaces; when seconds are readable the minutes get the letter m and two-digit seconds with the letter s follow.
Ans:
5h16
